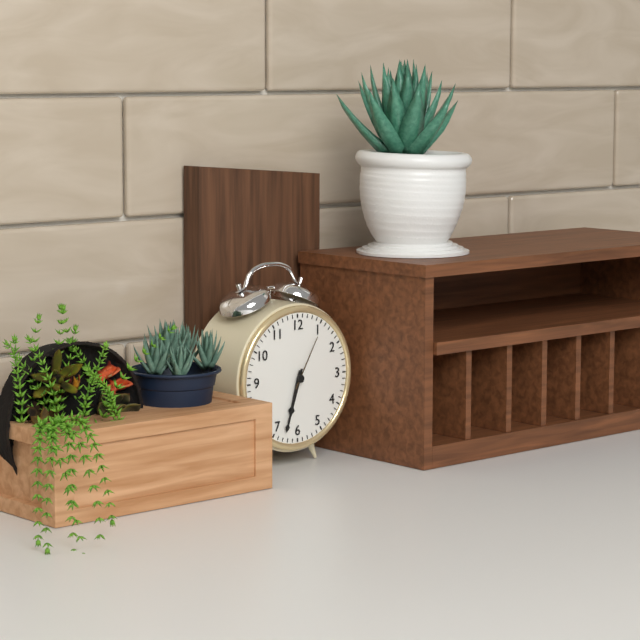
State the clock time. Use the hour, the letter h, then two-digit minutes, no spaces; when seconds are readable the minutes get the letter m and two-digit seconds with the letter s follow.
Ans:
6h33m05s
